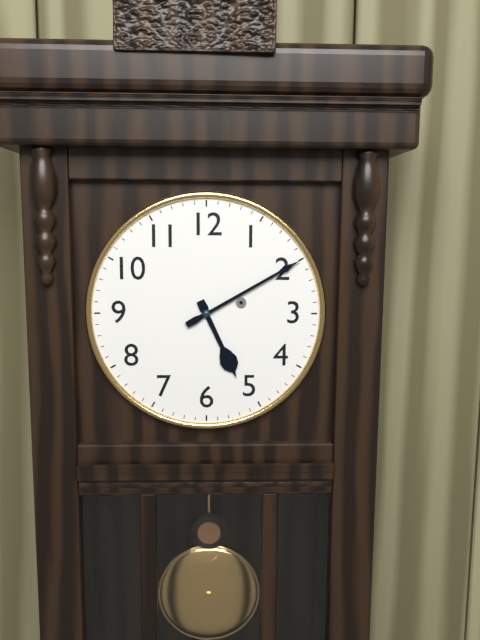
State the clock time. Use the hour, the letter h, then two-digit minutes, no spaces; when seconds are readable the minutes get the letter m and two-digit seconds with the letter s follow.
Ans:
5h10
